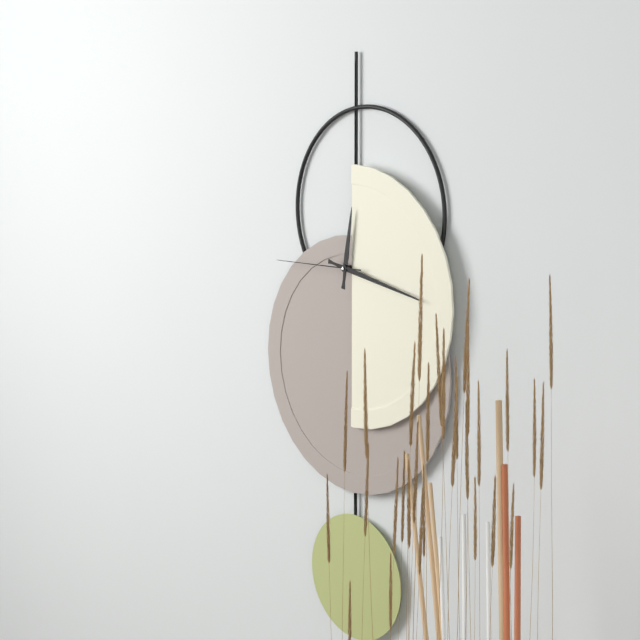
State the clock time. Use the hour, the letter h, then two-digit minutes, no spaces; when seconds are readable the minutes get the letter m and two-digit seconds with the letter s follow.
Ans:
12h17m45s
